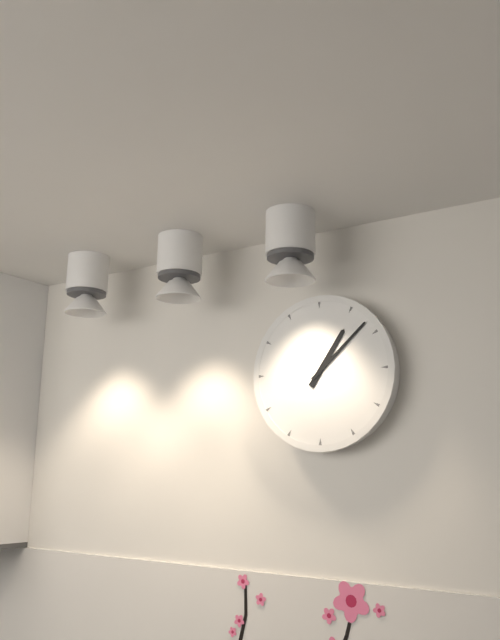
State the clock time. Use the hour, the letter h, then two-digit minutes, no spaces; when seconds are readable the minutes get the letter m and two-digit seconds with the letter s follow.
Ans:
1h08
